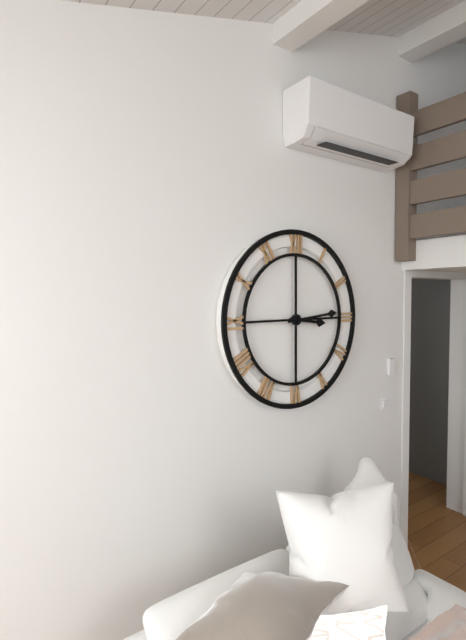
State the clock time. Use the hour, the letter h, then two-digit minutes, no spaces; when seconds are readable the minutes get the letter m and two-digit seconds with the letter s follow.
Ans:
3h14
